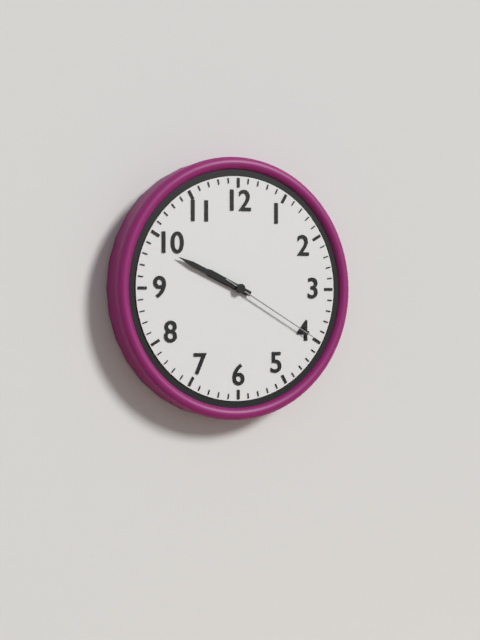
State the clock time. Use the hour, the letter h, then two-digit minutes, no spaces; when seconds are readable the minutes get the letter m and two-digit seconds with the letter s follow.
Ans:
9h49m20s
